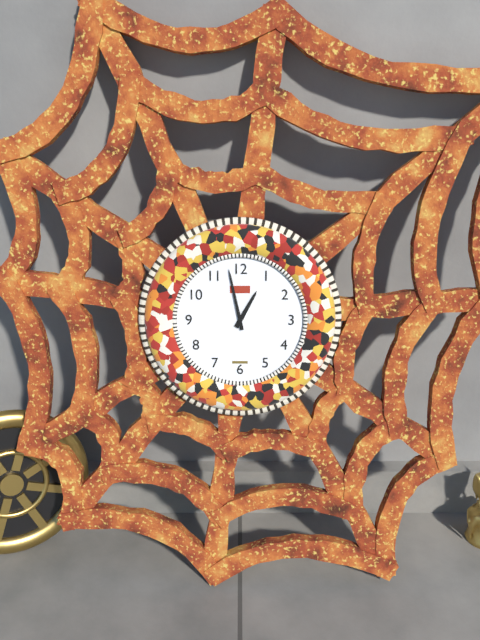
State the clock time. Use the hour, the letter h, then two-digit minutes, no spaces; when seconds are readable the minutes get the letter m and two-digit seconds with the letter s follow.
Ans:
12h58
